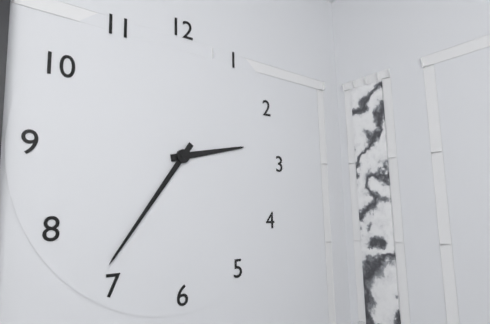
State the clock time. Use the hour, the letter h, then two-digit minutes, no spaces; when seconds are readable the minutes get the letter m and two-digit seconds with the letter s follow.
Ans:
2h36
